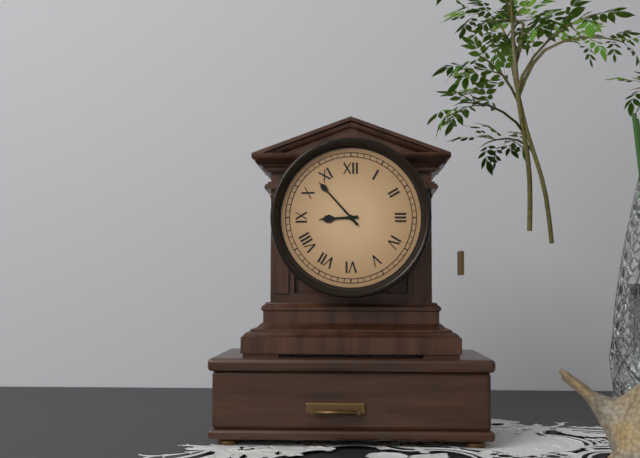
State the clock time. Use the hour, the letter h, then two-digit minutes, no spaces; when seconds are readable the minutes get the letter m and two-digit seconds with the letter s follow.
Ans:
8h53
